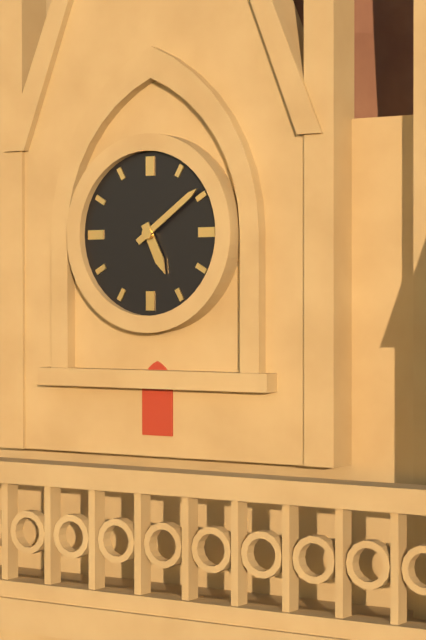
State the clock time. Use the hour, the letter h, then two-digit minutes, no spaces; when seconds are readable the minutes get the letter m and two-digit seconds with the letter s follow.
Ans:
5h09
